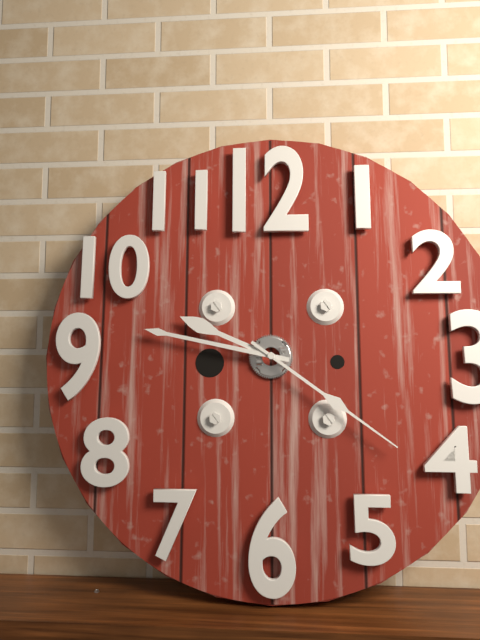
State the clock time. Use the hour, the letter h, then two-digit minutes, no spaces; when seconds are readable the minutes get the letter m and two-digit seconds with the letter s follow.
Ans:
9h47m21s
